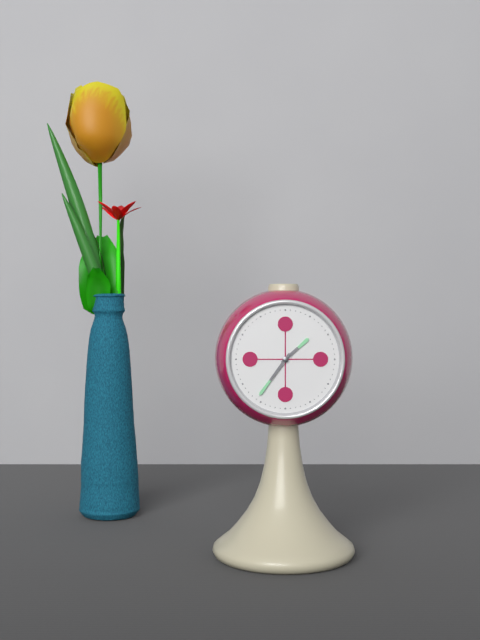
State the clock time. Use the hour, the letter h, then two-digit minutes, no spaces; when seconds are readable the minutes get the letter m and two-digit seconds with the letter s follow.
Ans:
1h36
